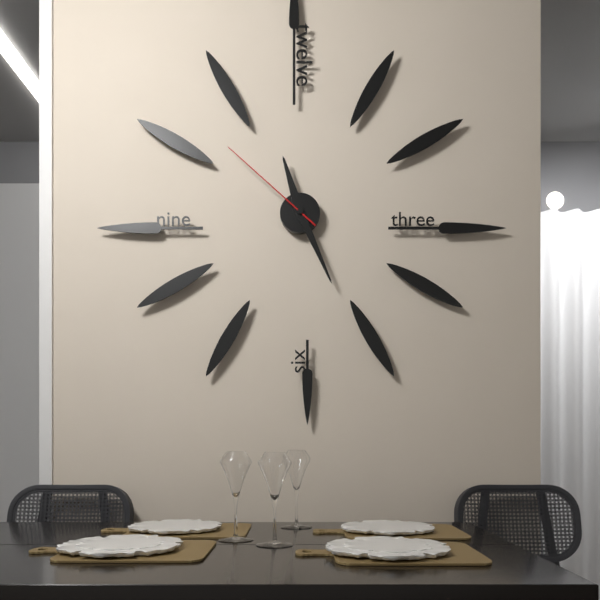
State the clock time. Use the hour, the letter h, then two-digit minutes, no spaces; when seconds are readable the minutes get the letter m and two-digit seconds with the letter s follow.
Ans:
11h26m52s
